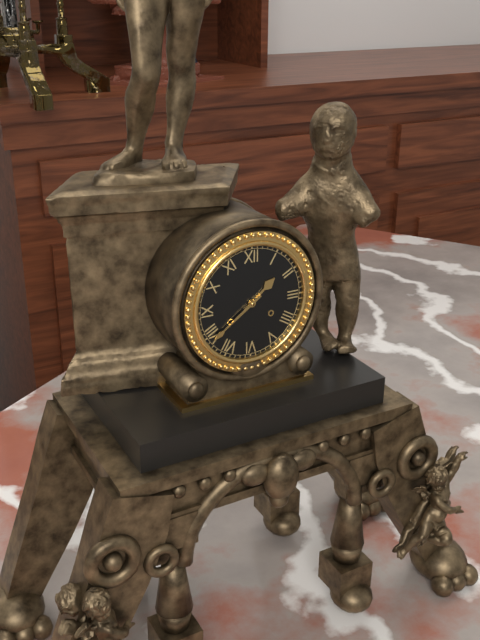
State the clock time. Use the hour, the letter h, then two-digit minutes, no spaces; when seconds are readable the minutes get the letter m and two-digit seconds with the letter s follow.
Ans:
1h39
